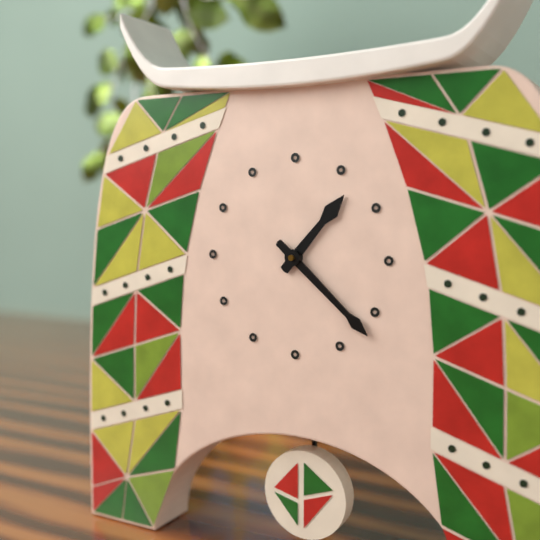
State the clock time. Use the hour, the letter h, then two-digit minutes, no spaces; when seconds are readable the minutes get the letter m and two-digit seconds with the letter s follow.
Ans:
1h22
